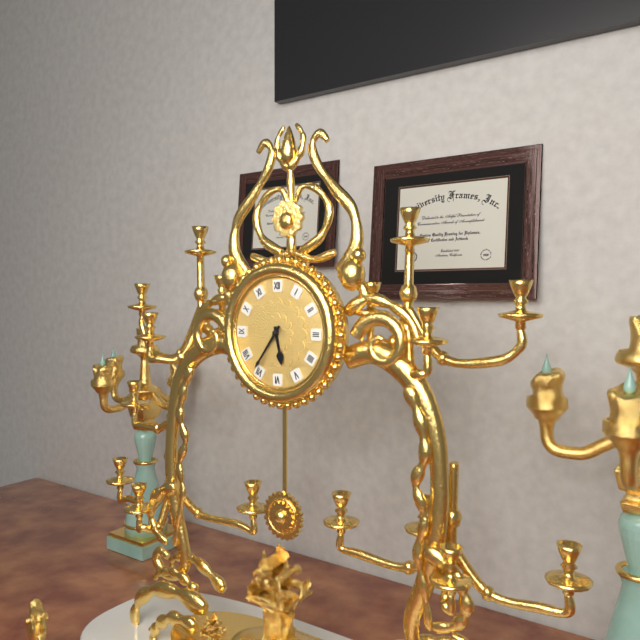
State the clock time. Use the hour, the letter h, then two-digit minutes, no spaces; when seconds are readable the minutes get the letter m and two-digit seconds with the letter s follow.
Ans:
5h36
